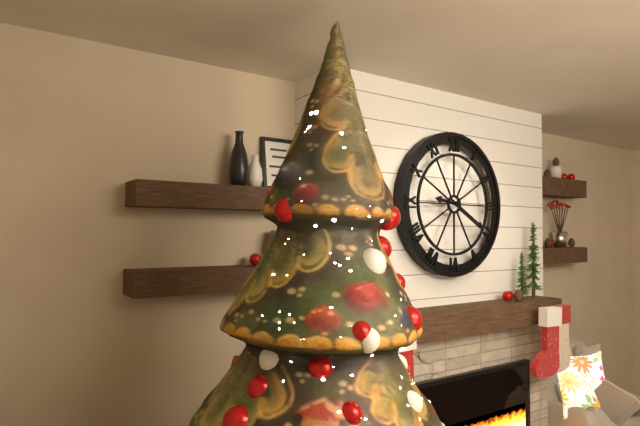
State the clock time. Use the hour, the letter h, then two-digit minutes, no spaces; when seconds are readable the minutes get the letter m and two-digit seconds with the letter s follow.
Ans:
9h20
